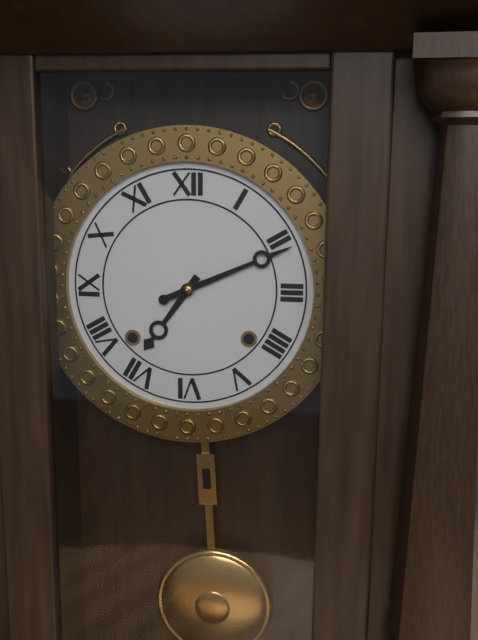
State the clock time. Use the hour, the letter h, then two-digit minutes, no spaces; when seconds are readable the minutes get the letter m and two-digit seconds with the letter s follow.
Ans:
7h11
